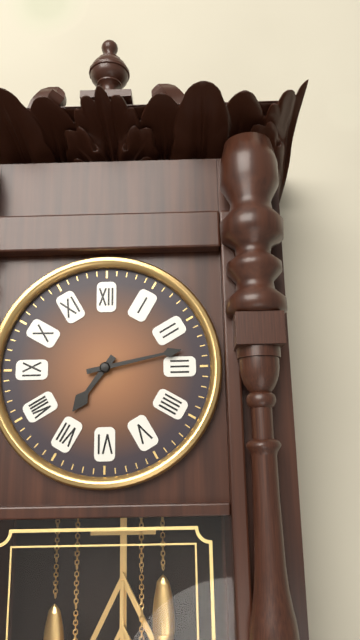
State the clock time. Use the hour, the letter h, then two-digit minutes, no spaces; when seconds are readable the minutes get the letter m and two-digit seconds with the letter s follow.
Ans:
7h13
